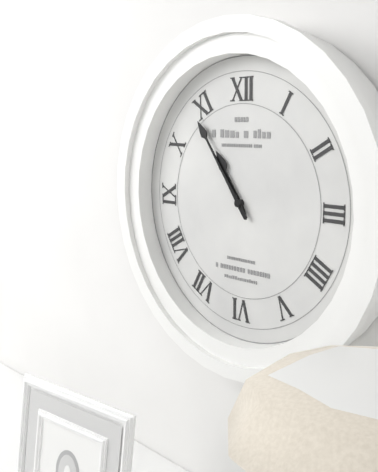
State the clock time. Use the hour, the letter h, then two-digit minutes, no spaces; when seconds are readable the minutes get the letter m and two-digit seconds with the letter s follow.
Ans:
10h54
